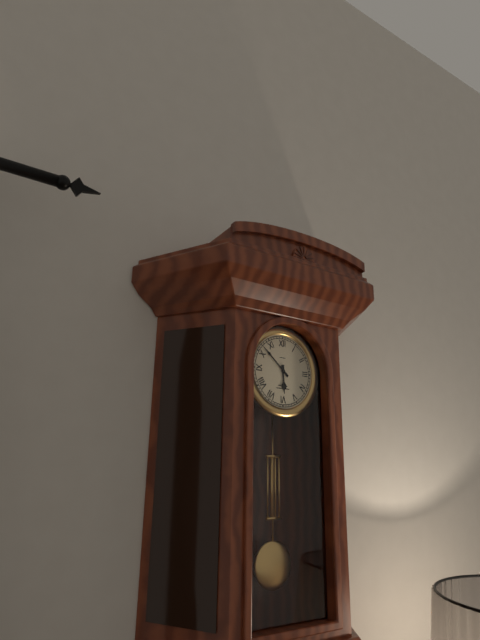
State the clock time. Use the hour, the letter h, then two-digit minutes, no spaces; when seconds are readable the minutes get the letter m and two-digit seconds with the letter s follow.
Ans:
5h52
